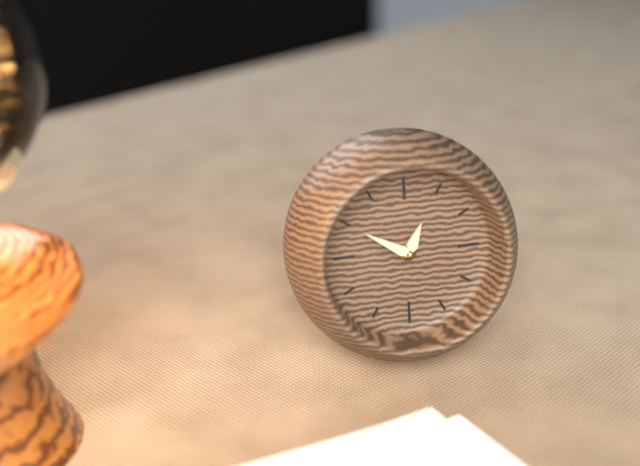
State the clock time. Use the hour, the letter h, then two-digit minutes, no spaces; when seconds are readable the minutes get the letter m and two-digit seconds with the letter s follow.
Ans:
12h50
